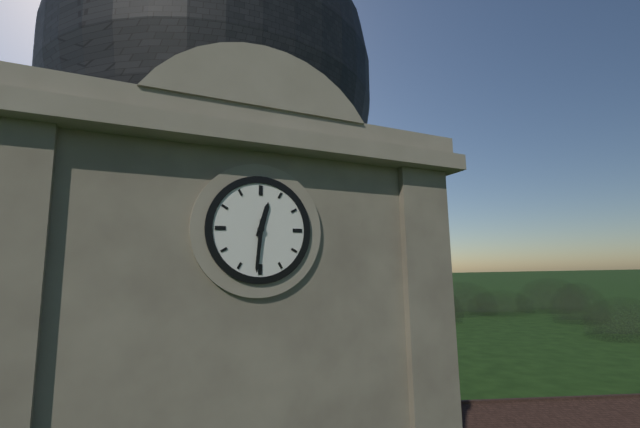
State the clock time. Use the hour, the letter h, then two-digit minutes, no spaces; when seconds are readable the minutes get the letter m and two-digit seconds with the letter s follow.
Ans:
12h31
